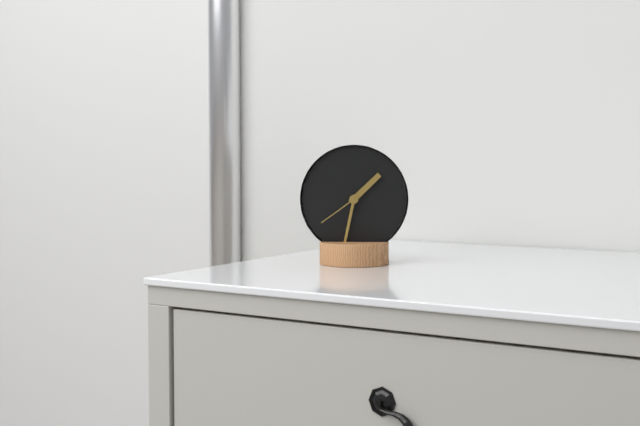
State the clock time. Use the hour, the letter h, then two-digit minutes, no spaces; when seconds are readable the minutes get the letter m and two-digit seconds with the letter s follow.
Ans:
1h32m39s
